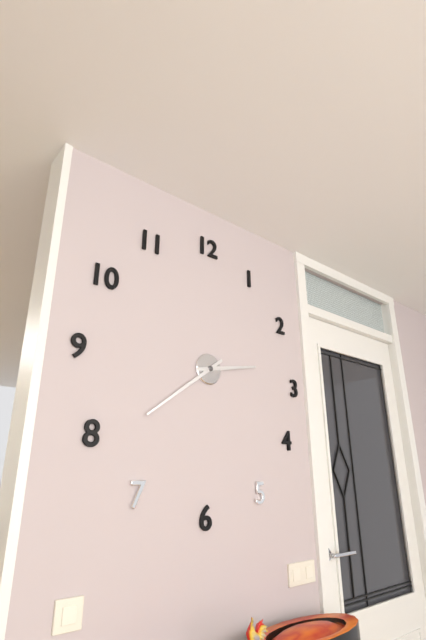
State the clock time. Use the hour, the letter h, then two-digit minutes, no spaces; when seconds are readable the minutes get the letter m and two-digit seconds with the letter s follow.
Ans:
2h39
